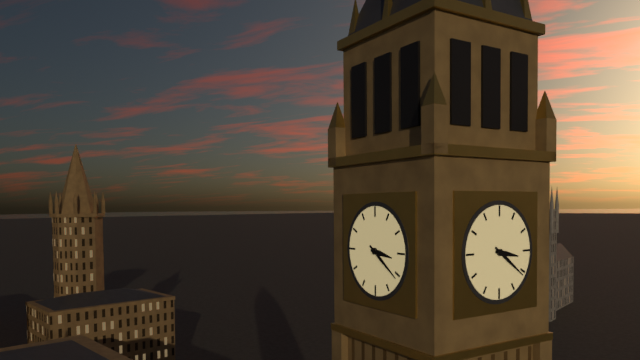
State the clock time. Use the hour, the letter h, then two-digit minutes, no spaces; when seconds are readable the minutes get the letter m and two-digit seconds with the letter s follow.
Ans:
3h21
